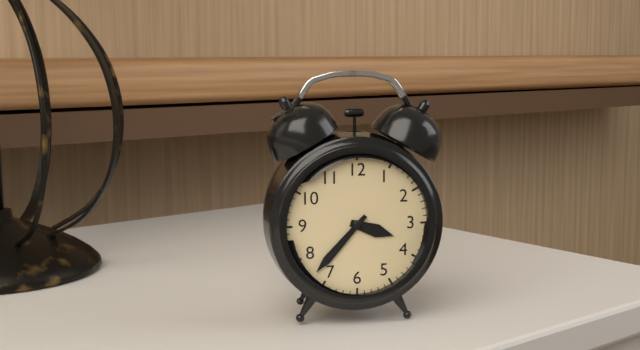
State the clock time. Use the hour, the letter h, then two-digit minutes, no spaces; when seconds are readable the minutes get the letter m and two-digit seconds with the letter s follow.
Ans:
3h37
